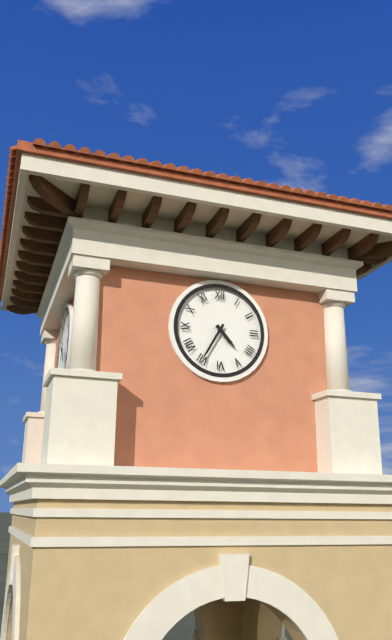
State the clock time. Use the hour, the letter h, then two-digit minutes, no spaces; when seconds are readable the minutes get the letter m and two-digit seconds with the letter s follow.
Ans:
4h35
